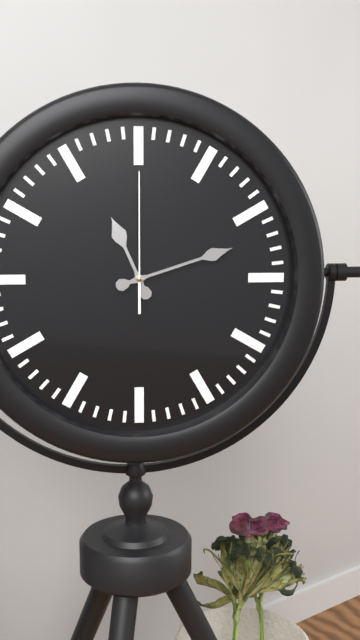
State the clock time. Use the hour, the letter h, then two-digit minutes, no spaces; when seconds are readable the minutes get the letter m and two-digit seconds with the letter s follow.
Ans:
11h12m00s
